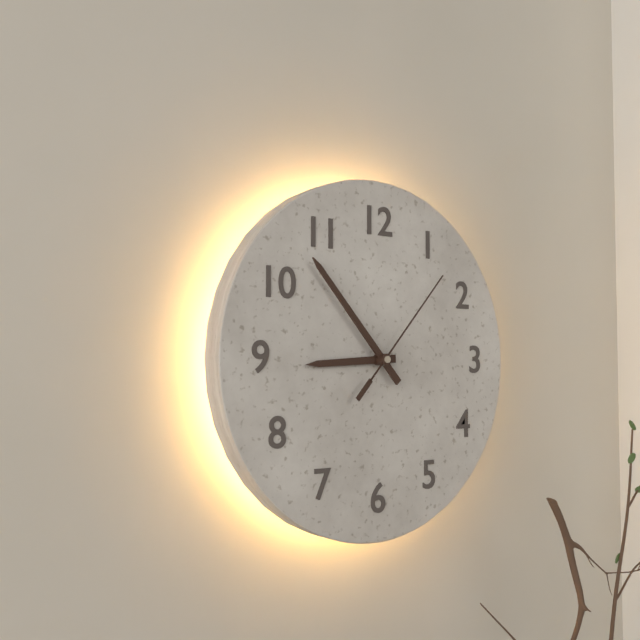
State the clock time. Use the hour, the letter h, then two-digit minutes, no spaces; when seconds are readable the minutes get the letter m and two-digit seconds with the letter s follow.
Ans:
8h53m07s
